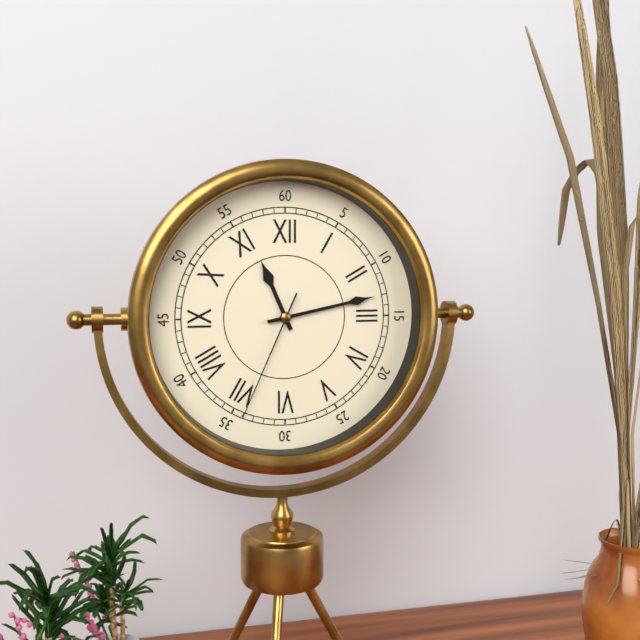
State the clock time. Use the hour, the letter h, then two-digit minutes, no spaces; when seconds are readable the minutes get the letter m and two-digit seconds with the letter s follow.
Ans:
11h13m34s
